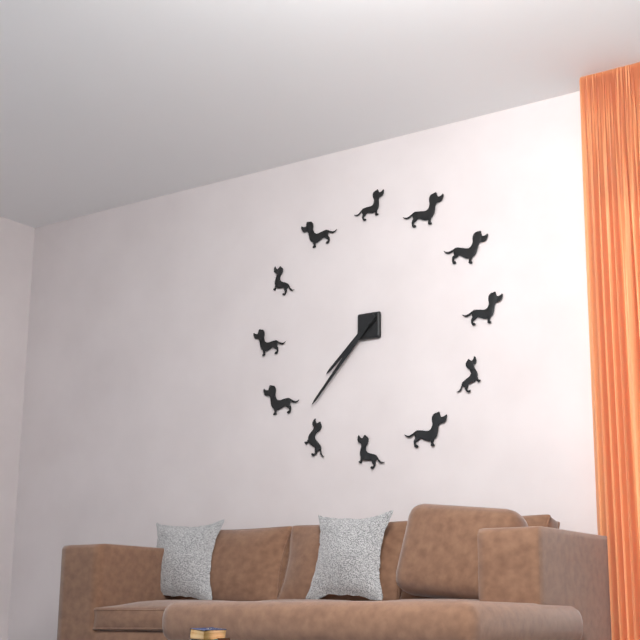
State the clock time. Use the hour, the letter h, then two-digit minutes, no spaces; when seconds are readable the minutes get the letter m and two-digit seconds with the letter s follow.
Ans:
7h37
